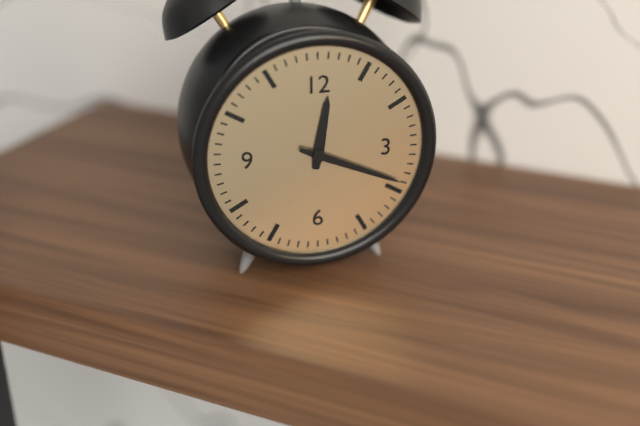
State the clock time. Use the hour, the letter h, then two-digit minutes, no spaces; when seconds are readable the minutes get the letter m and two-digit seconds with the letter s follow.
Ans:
12h19
